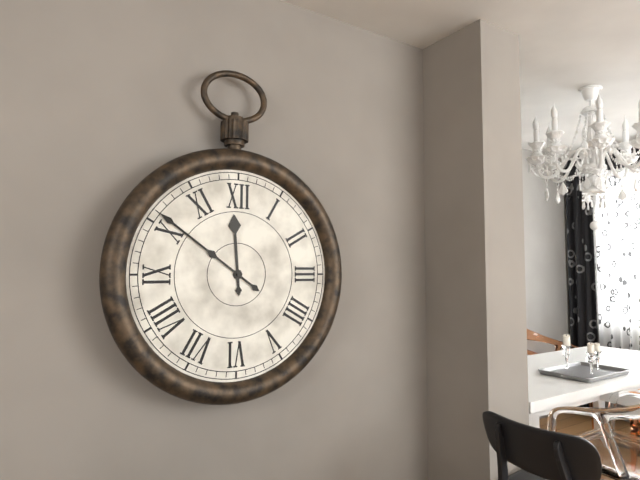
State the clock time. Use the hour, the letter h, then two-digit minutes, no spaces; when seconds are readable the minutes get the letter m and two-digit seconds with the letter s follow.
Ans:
11h51
